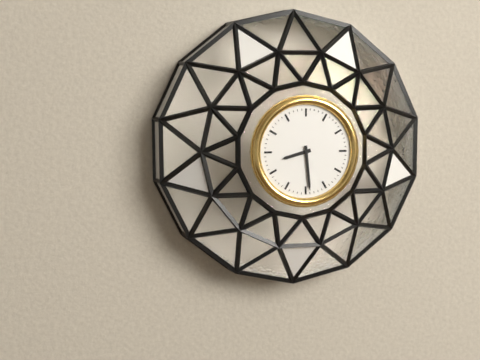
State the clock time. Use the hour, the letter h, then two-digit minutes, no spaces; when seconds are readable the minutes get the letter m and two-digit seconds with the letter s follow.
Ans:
8h29
